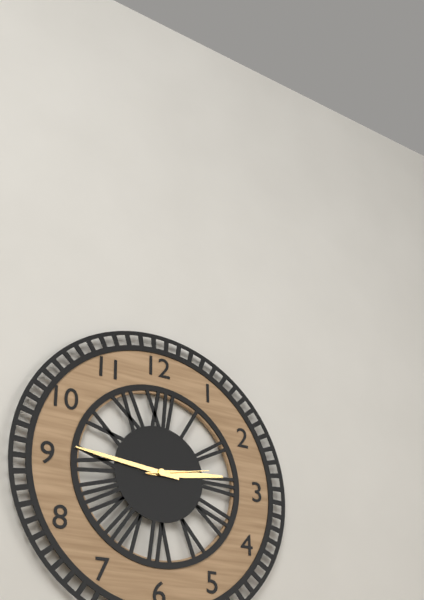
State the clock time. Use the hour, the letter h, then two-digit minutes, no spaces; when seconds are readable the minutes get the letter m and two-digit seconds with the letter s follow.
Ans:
2h46m13s
